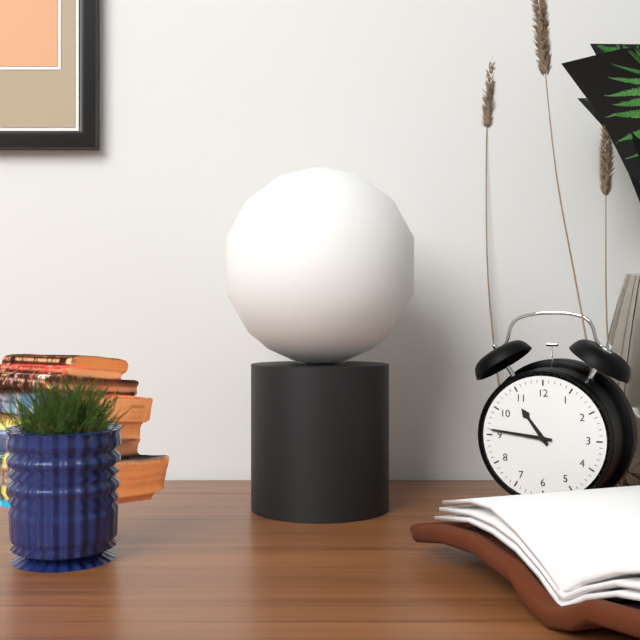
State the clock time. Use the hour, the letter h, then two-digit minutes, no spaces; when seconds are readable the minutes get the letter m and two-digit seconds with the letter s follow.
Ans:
10h46
